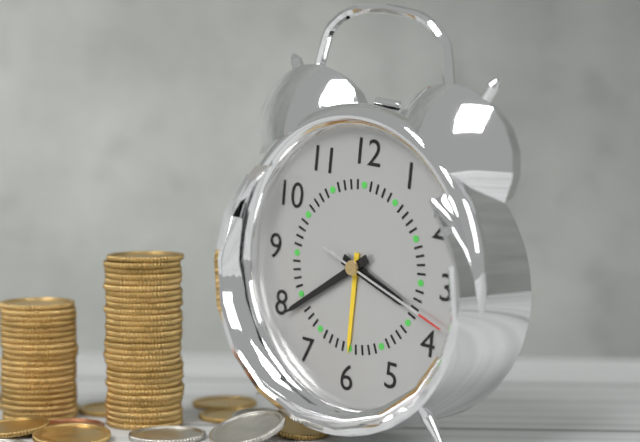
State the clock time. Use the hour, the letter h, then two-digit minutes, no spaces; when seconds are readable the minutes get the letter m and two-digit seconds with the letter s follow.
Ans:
3h39m18s
